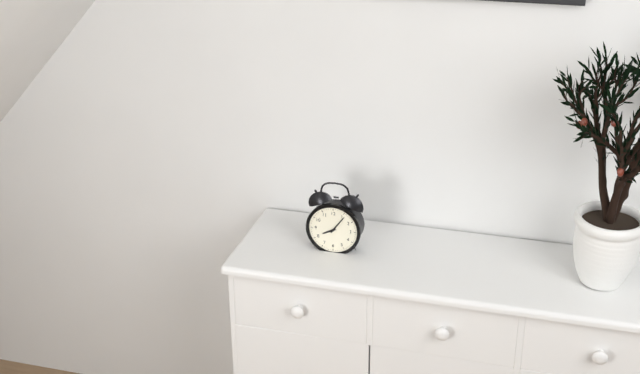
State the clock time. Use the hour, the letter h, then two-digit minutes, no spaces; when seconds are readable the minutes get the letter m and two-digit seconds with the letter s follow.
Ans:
8h06
